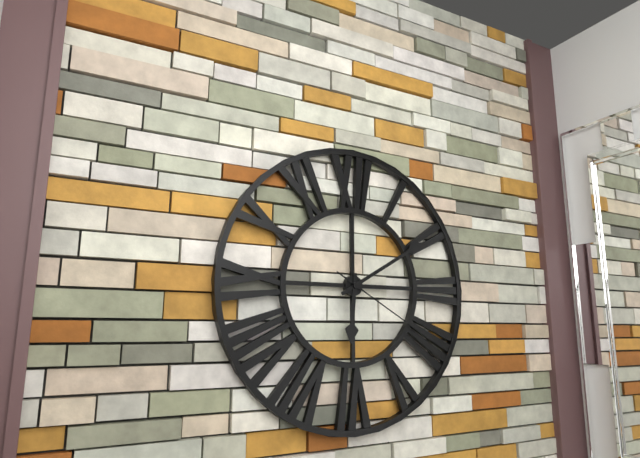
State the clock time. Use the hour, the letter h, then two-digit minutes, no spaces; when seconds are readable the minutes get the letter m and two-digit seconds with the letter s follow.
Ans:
6h10m20s
